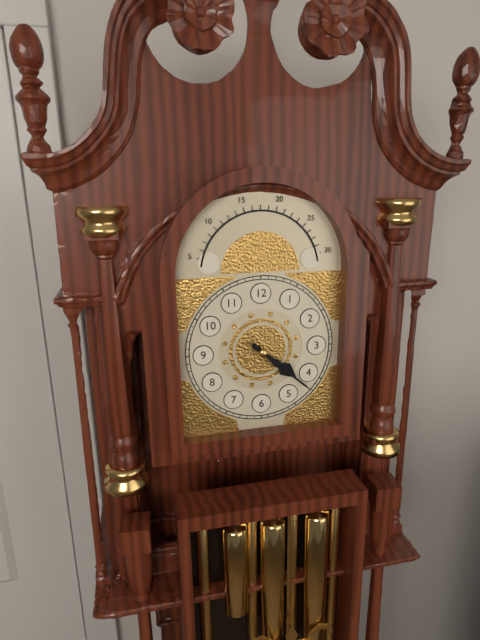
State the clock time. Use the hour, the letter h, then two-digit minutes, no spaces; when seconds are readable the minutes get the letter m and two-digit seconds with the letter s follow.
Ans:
4h22
